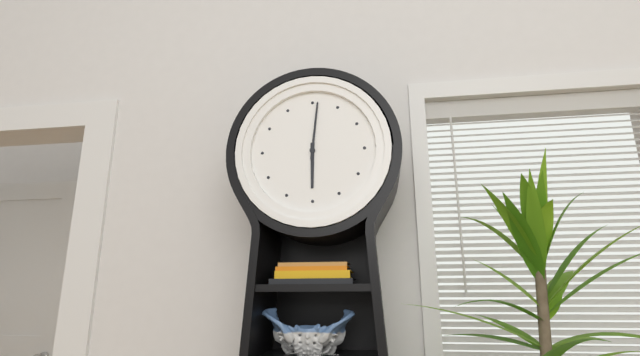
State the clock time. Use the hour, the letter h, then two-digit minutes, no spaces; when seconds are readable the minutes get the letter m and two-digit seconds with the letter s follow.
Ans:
6h01
